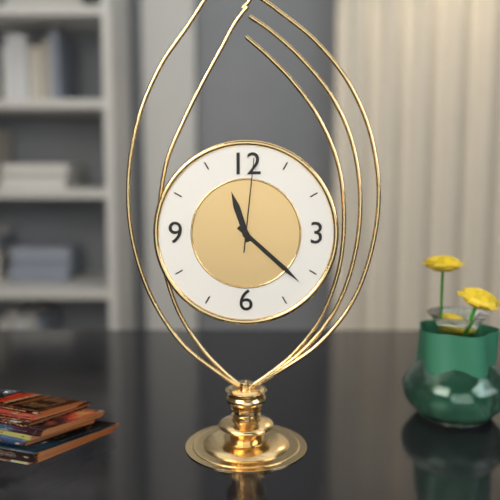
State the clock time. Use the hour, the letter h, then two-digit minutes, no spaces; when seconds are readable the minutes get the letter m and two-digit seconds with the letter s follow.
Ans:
11h22m01s
